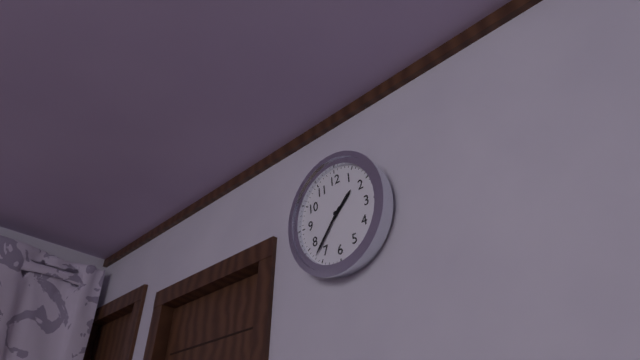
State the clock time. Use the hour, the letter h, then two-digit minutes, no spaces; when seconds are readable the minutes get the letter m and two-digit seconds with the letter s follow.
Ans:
1h37
